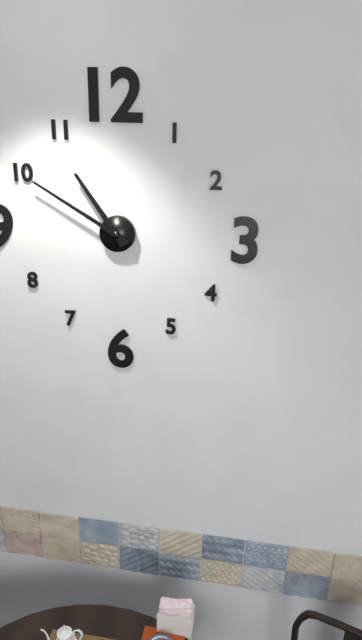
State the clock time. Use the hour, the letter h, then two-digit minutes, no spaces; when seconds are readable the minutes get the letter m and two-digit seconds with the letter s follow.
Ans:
10h50
